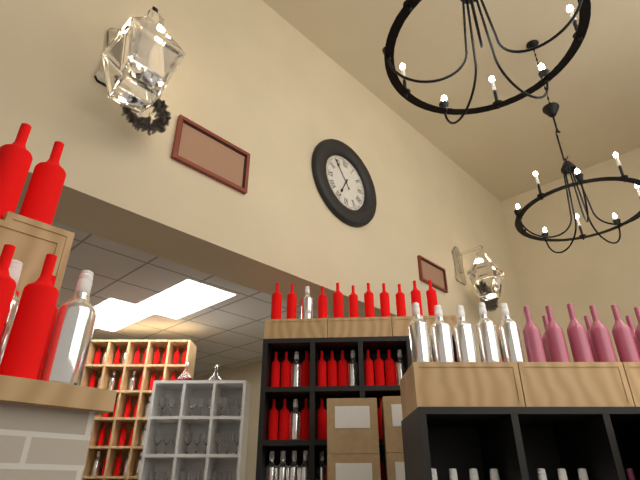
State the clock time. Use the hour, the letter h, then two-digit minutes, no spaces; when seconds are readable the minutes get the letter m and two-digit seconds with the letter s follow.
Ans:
6h54
